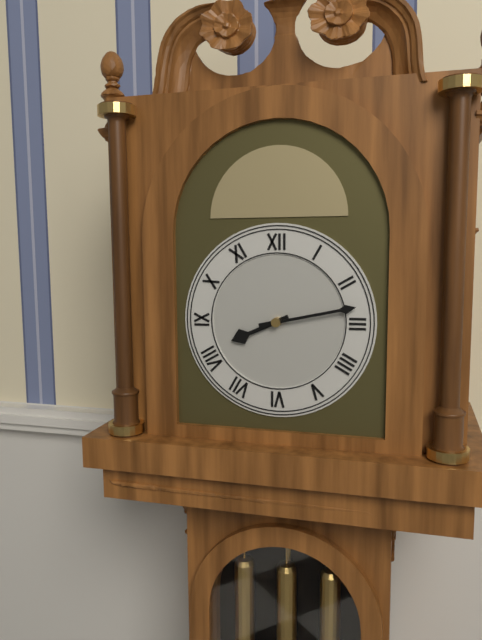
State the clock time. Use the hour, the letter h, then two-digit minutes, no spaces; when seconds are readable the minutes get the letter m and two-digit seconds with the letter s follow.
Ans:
8h13
